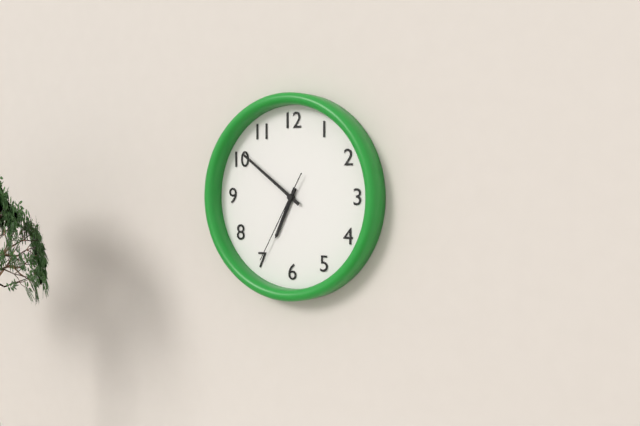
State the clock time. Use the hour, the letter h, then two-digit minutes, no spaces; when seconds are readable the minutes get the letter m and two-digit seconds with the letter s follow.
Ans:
6h51m35s
